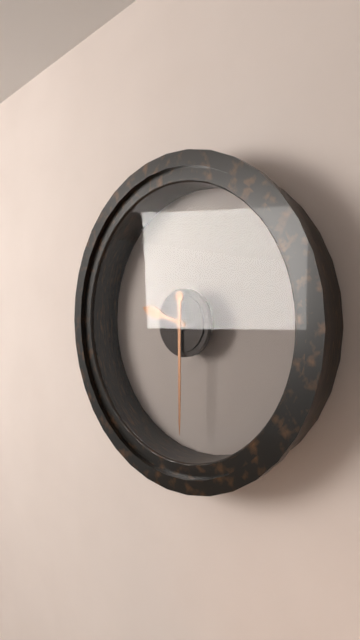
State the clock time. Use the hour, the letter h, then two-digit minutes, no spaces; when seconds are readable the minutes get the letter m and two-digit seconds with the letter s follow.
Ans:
9h30
